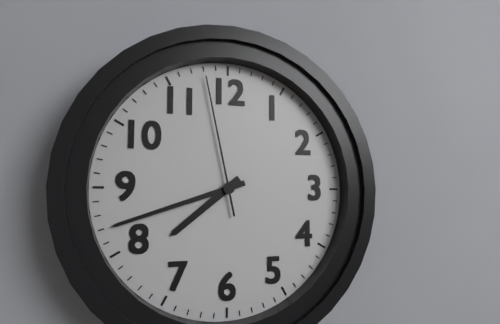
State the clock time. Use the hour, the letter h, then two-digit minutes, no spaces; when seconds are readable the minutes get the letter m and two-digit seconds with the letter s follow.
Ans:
7h42m58s
